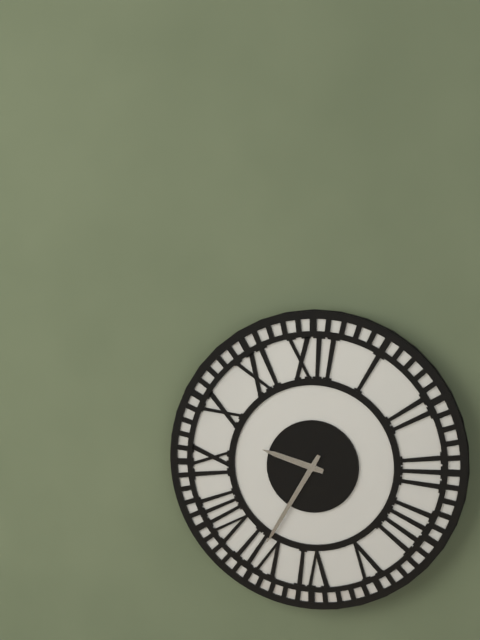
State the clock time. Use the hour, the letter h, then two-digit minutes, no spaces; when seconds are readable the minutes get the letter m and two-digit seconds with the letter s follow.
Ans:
9h35
